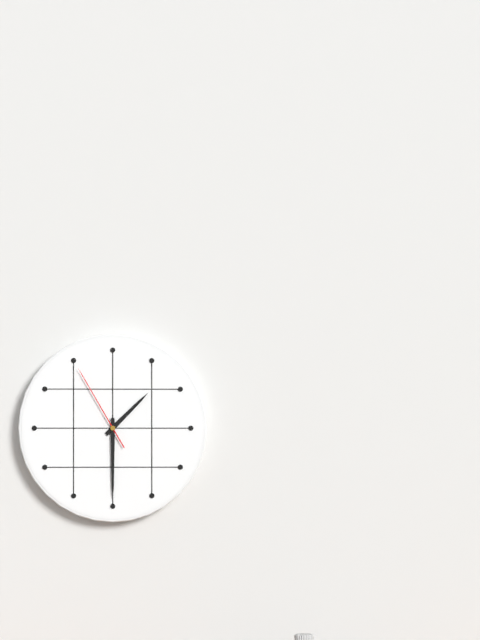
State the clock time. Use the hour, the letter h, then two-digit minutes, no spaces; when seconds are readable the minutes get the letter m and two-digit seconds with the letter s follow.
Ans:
1h30m55s
